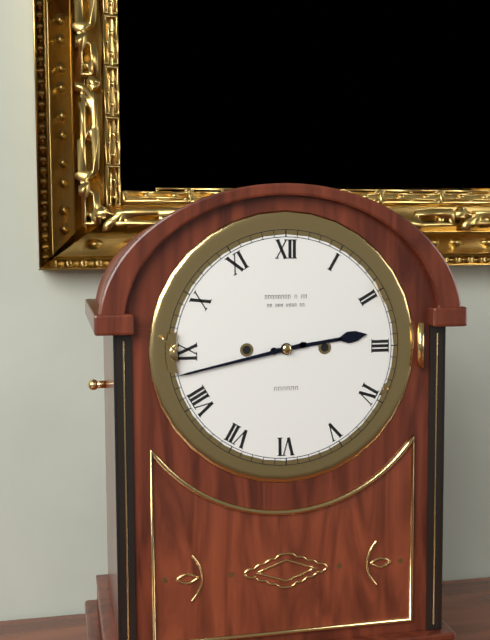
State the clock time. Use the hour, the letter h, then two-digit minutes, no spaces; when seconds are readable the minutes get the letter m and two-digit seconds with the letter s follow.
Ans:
2h43
